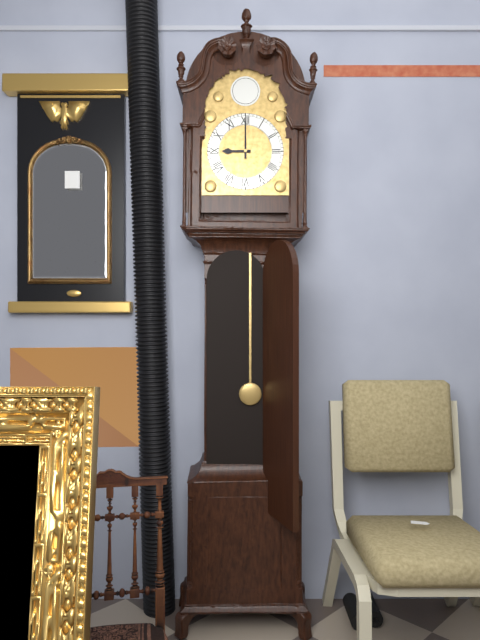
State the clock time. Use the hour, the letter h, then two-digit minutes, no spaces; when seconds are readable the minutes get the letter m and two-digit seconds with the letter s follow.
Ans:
9h00
